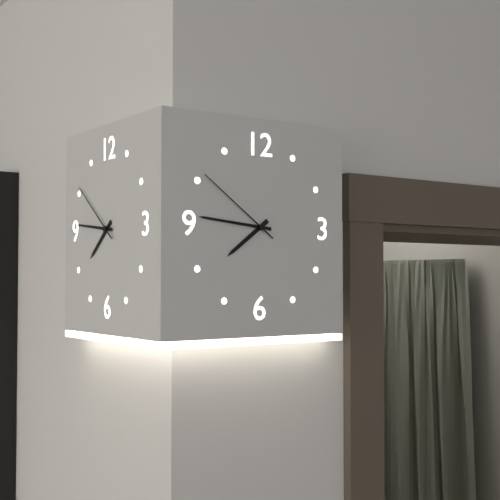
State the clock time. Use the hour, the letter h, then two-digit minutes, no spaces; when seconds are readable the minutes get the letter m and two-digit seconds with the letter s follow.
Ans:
7h46m51s
